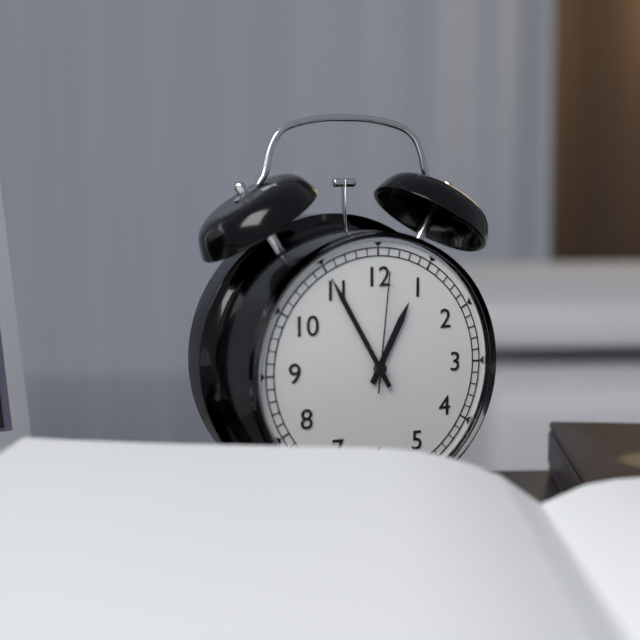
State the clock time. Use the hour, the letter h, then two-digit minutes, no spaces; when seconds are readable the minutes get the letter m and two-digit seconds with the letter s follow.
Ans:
12h55m01s
